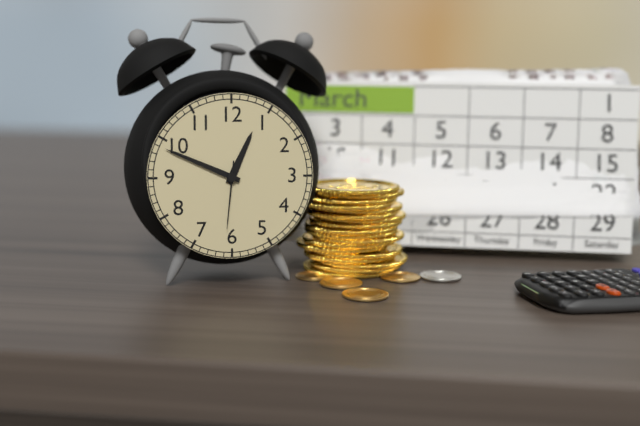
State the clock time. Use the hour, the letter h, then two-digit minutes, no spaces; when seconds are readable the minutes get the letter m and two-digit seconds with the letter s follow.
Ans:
12h49m31s
